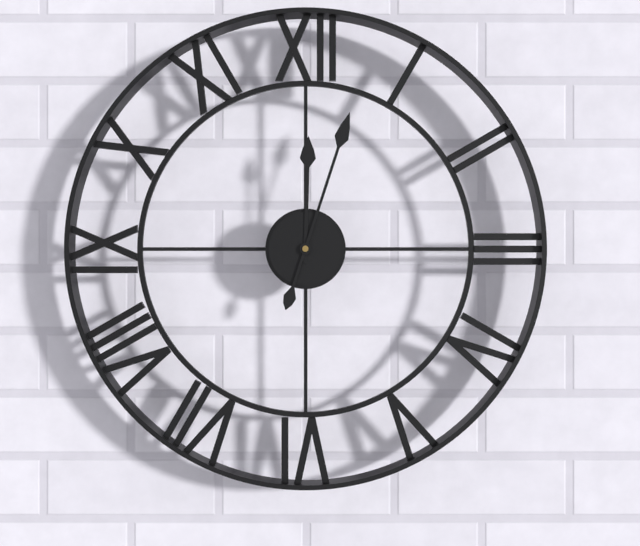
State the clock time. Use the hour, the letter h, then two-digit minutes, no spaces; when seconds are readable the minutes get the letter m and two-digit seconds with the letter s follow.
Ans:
12h03
